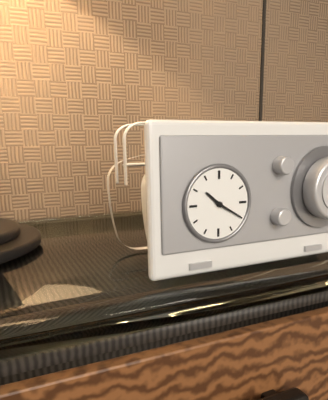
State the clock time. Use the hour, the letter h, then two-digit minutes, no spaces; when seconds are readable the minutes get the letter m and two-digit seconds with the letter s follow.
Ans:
10h20
